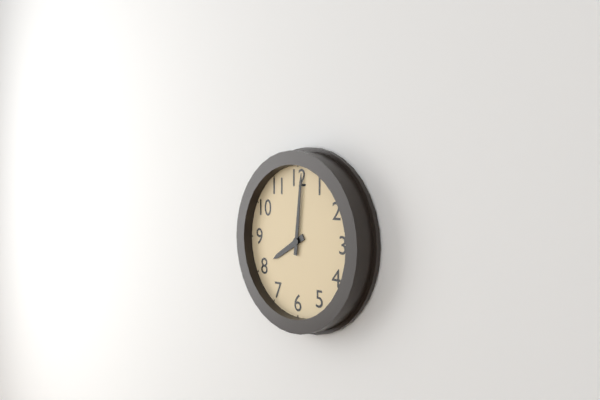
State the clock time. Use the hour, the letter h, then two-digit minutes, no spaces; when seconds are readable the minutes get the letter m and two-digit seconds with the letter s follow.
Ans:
8h01
